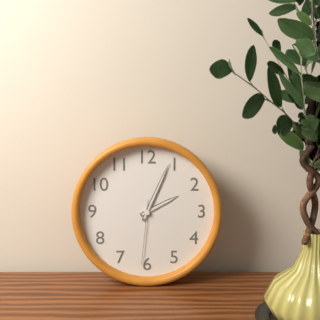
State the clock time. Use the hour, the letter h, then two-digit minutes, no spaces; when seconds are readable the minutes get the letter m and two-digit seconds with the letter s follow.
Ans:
2h04m31s
